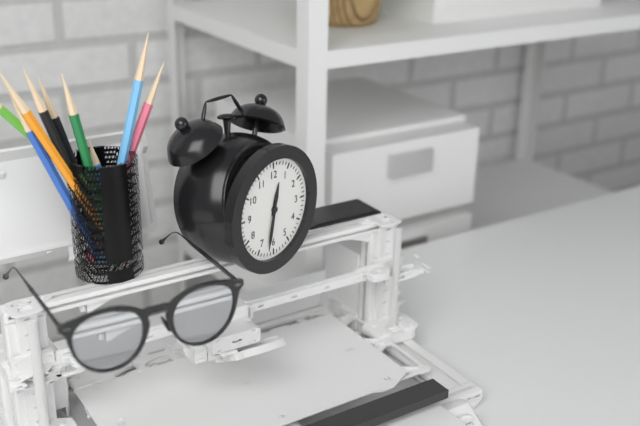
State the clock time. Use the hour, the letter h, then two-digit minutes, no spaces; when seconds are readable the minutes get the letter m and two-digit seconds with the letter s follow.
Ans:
12h32
